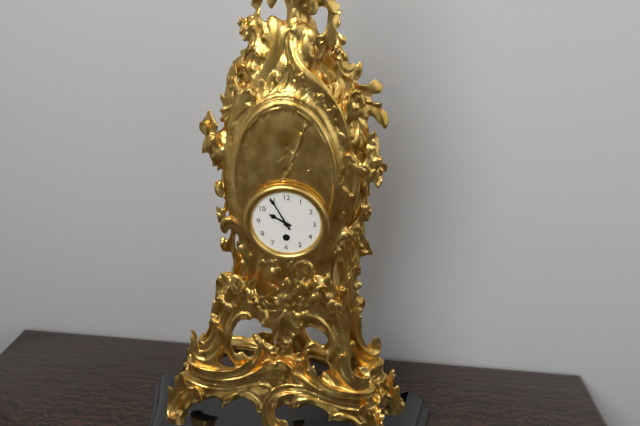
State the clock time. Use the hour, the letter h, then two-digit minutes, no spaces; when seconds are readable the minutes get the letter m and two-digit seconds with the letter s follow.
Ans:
9h55
